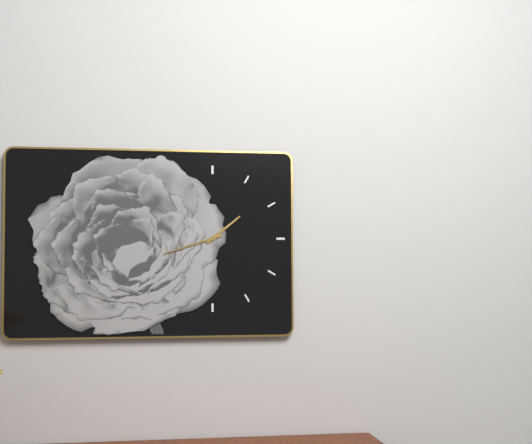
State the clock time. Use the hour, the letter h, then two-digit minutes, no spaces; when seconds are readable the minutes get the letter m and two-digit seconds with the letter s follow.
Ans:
1h42
